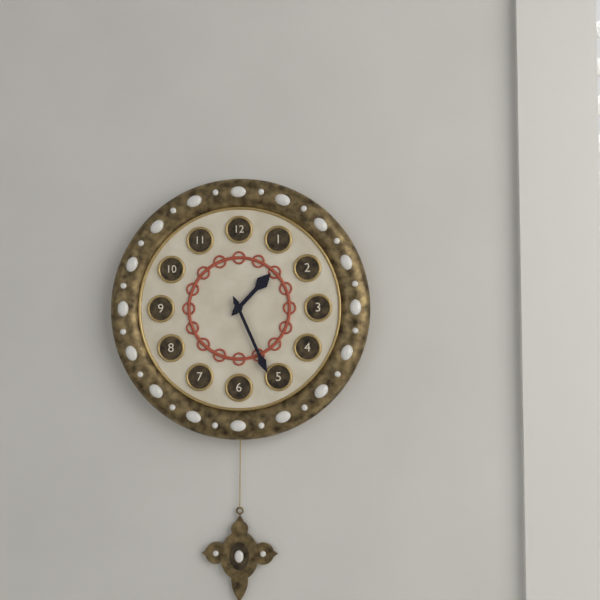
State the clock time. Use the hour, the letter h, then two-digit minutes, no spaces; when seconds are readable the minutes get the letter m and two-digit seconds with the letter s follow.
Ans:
1h26
